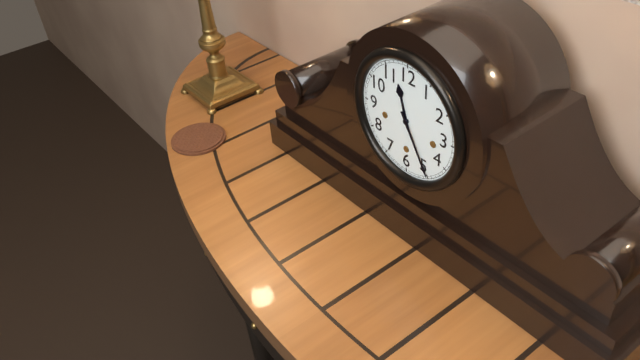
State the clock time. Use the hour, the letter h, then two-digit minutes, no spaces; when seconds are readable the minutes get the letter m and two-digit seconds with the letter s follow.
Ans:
11h25
